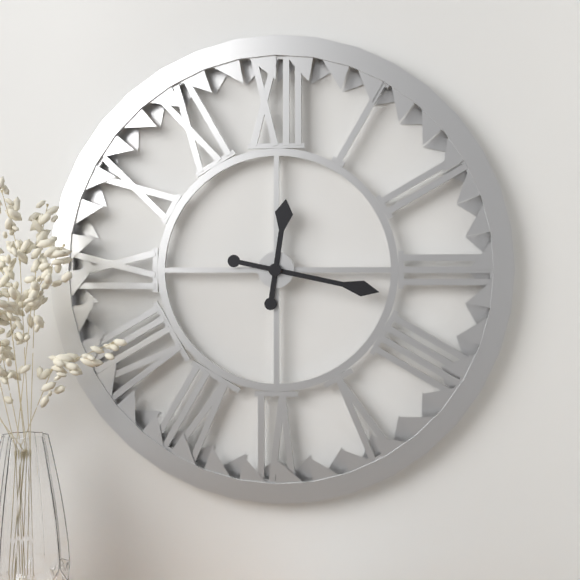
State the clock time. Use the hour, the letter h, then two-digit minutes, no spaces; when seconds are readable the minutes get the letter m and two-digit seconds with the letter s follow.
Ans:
12h17
